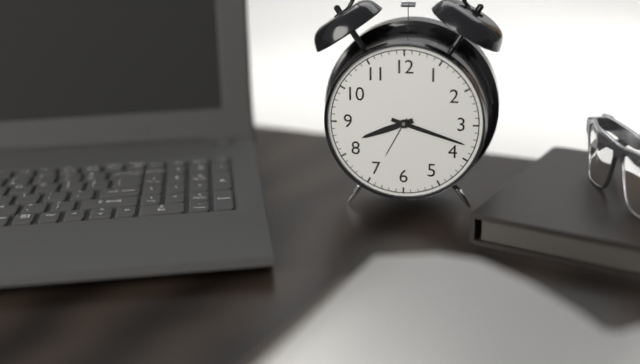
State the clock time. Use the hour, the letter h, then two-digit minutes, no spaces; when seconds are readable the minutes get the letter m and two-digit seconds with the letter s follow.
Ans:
8h18
